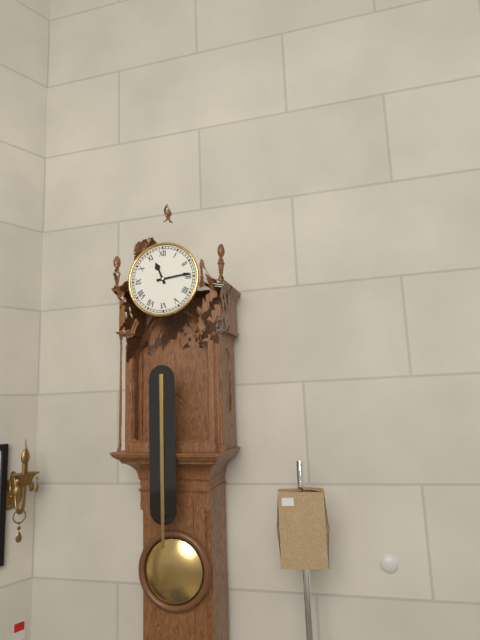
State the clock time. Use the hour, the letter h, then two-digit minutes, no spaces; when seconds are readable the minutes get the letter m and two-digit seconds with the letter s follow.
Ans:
11h14
